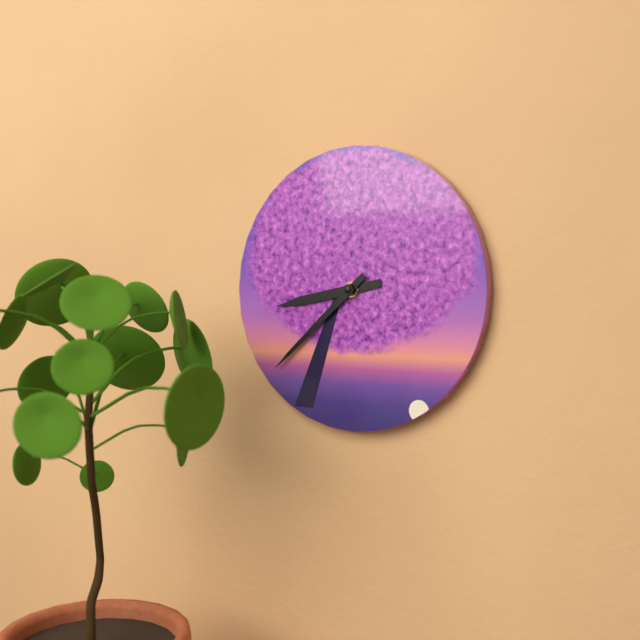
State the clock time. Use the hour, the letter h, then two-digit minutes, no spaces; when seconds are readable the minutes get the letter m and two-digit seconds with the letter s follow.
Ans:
8h38
